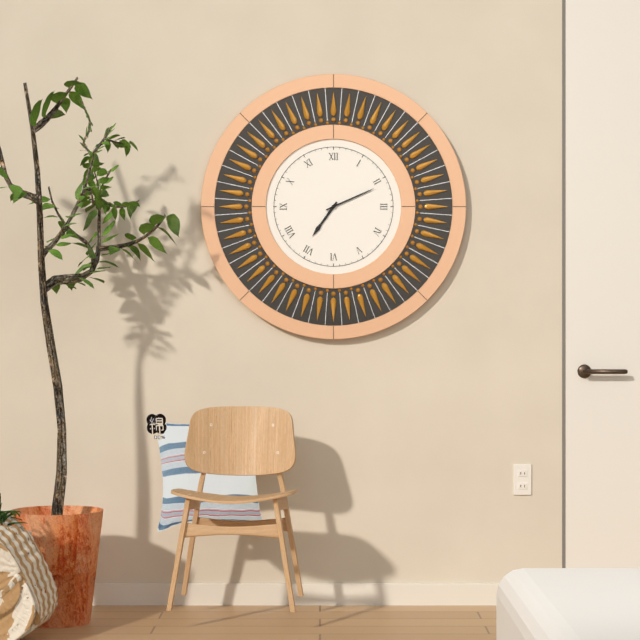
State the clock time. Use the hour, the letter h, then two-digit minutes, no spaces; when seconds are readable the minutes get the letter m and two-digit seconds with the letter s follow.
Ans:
7h11
